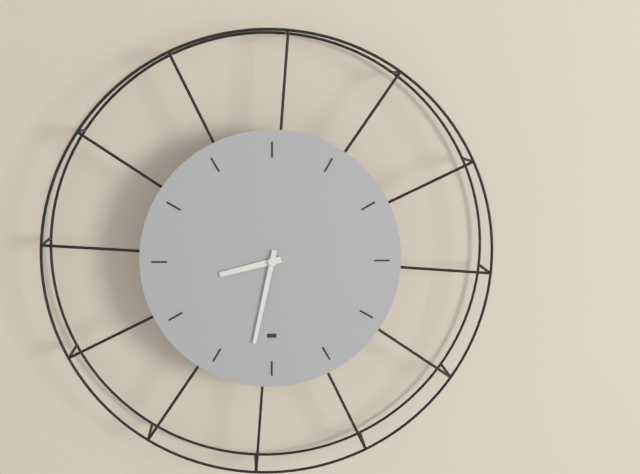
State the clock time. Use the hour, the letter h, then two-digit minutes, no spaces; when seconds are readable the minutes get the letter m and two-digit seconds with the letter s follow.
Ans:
8h32
